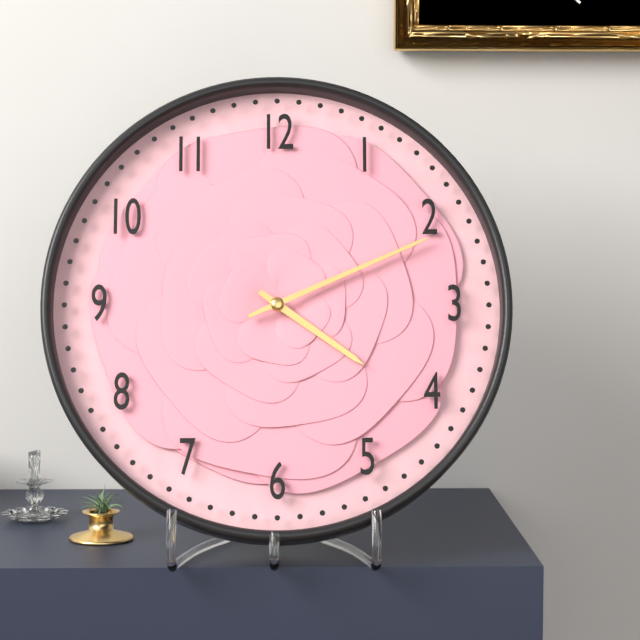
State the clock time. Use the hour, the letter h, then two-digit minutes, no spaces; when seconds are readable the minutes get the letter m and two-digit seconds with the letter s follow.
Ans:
4h11
